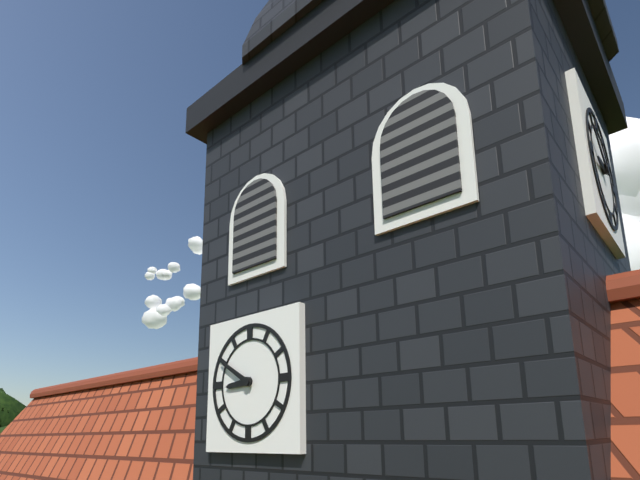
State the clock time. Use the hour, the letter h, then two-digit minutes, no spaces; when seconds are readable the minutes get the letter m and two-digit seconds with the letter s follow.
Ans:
8h50
